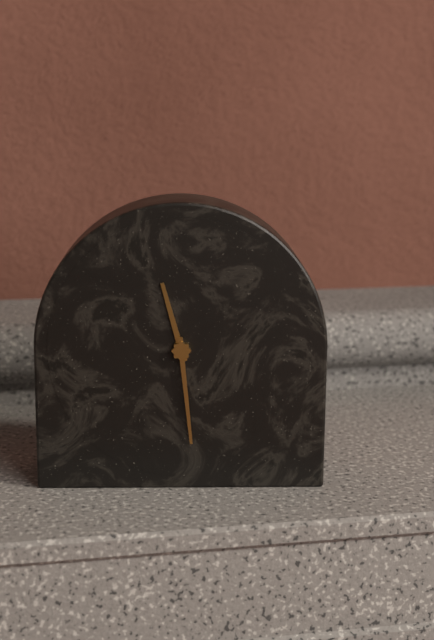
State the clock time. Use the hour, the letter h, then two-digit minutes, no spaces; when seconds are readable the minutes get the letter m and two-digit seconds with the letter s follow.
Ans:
11h29
